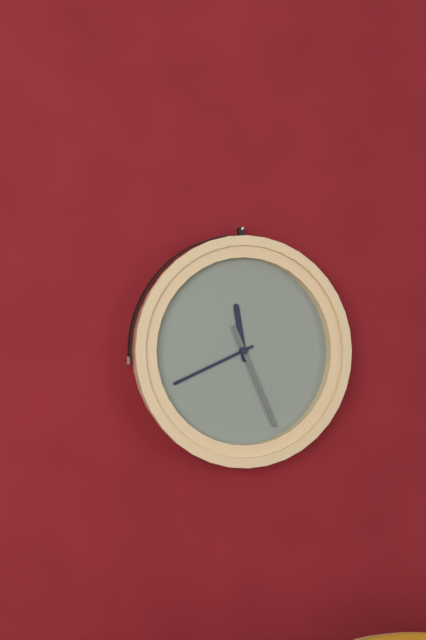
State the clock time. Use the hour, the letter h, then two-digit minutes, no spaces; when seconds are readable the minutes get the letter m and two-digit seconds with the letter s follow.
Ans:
11h41m26s
